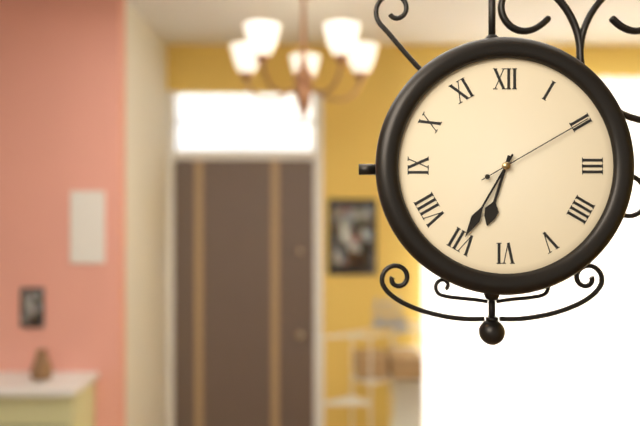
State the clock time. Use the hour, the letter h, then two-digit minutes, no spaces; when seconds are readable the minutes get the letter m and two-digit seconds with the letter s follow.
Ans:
6h35m10s
